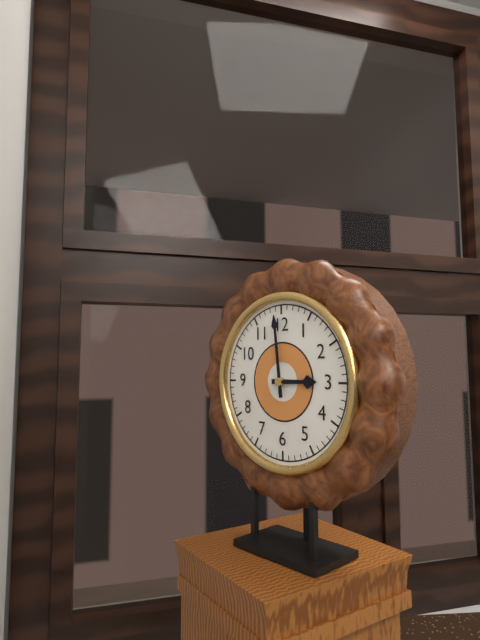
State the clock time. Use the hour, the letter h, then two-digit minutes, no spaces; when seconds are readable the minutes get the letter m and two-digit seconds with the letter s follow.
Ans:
2h59
